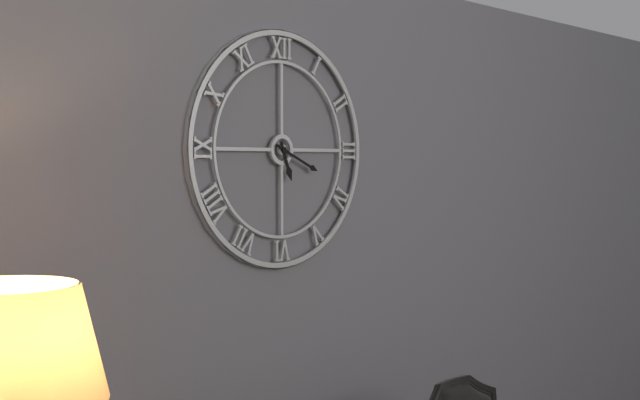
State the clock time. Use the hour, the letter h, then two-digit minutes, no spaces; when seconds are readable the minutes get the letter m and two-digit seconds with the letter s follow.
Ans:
5h19
